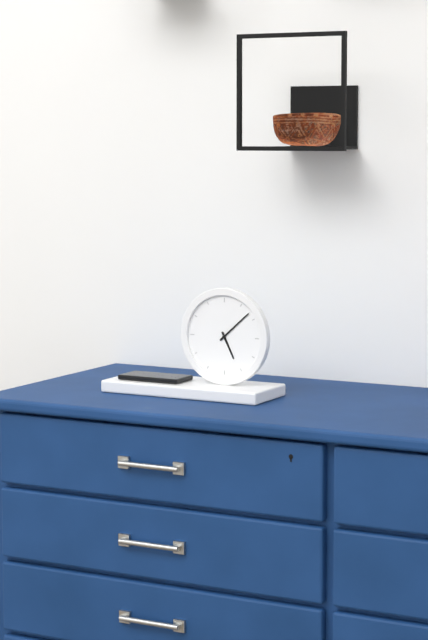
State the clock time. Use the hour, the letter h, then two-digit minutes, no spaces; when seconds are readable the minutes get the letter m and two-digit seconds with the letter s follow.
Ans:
5h08
